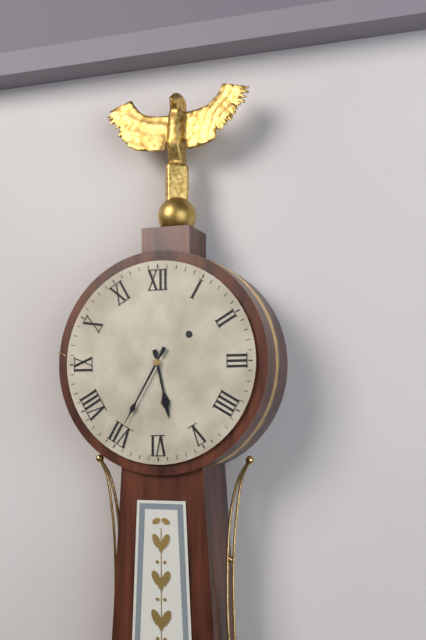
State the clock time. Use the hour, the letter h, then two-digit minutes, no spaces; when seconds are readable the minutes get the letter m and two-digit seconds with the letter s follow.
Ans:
5h35
